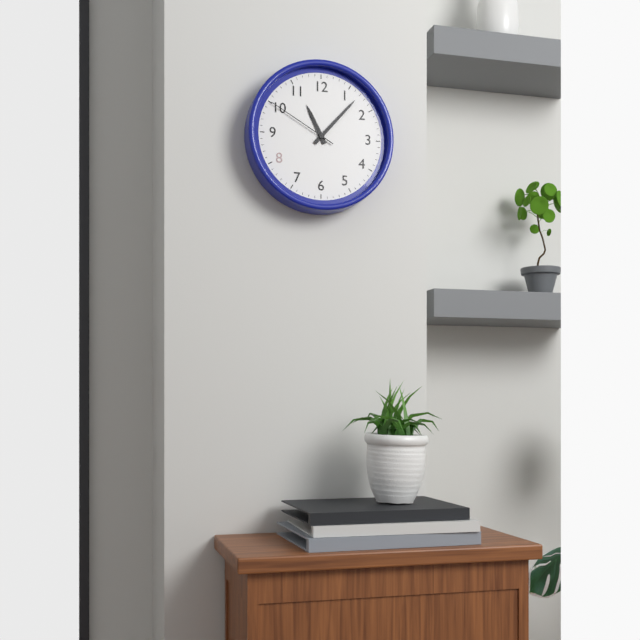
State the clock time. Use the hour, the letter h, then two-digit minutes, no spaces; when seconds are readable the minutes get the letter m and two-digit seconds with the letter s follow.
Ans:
11h07m50s
